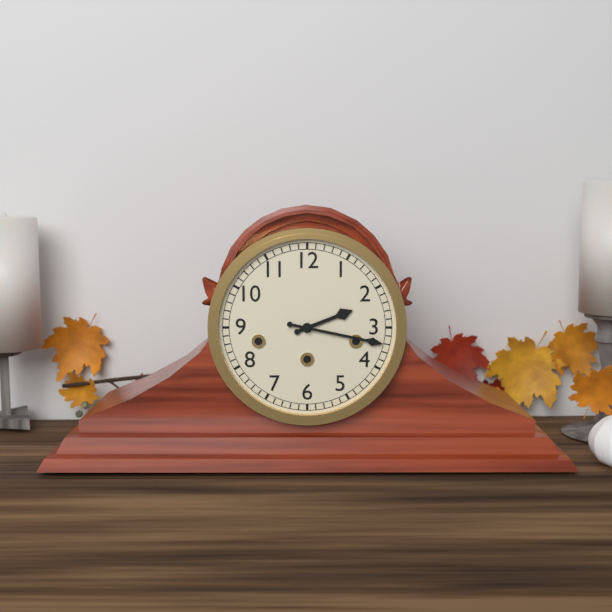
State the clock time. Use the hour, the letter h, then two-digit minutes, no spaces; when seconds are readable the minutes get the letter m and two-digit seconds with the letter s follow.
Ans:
2h17
